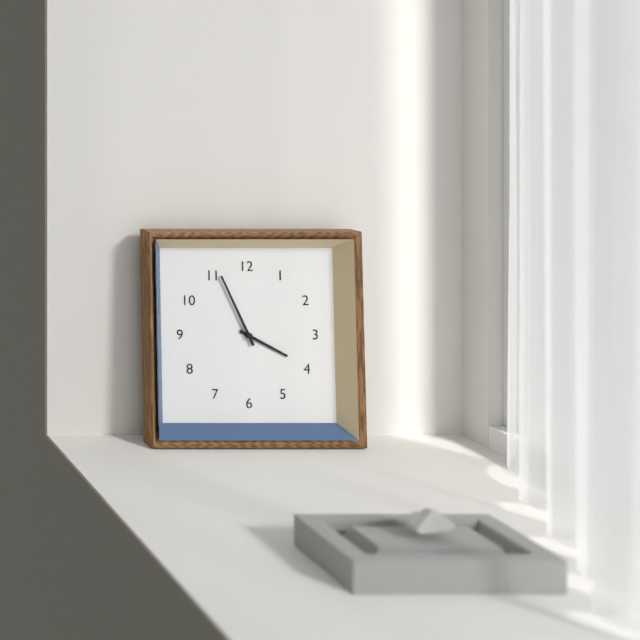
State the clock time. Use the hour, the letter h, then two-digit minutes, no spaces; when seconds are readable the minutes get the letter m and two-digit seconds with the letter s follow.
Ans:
3h56
